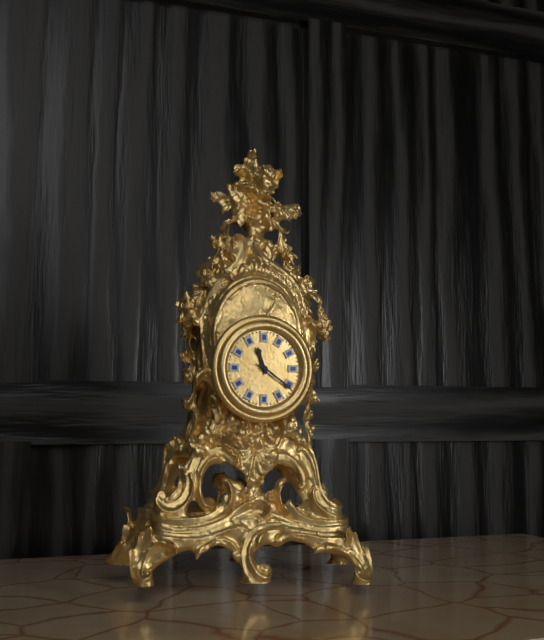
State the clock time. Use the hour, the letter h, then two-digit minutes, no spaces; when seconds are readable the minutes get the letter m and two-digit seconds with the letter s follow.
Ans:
11h21
